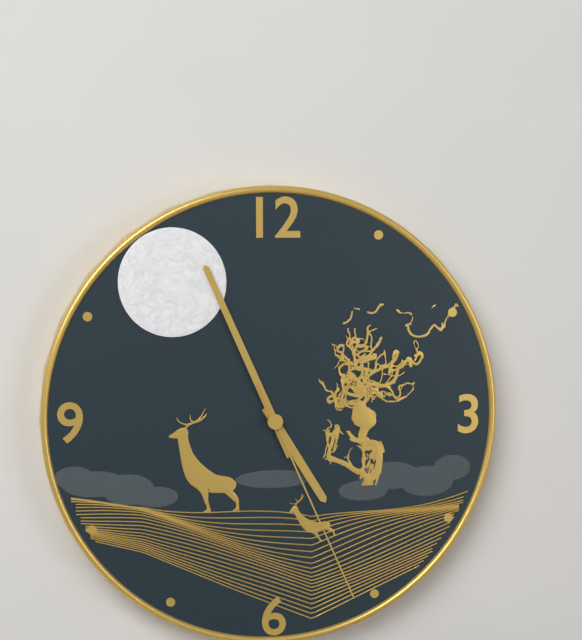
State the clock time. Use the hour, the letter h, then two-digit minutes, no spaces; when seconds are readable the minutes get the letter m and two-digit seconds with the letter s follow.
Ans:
4h56m26s
